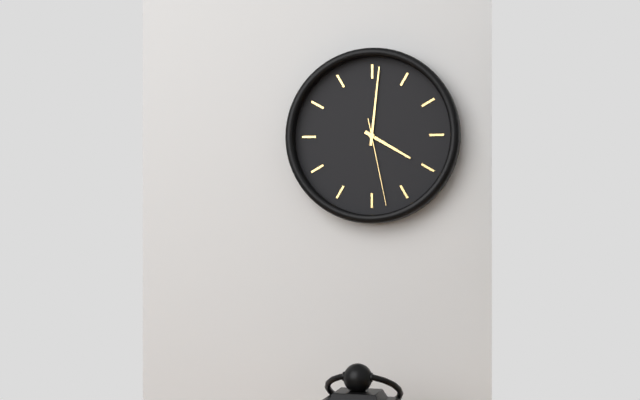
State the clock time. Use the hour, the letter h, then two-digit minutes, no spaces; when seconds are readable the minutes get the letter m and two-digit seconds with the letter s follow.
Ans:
4h01m28s
